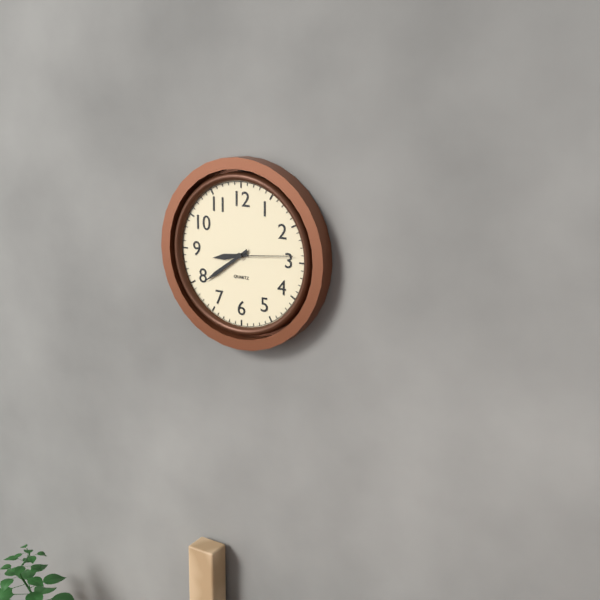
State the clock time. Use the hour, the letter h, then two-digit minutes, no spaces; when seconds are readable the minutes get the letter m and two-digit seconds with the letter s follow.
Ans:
8h39m14s
